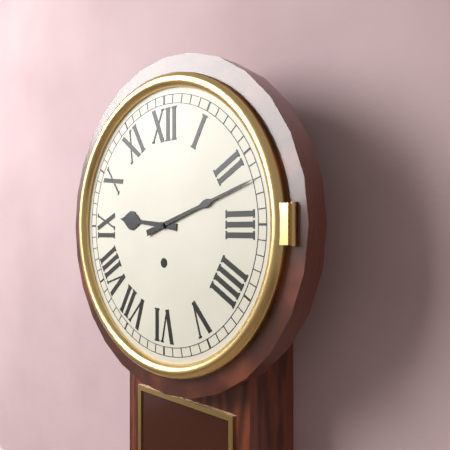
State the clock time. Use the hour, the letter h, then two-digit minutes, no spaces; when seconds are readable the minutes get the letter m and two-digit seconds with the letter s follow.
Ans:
9h12
